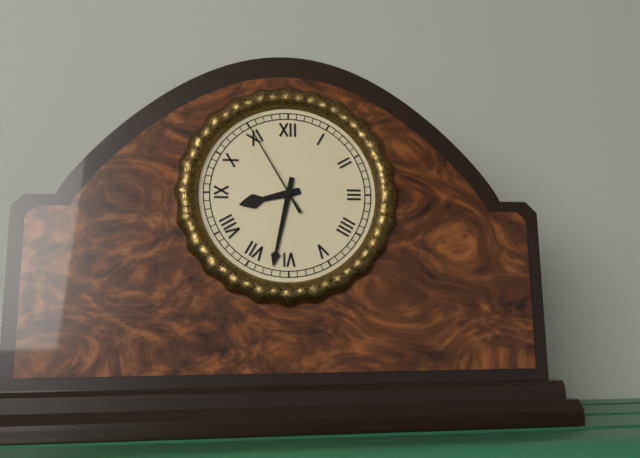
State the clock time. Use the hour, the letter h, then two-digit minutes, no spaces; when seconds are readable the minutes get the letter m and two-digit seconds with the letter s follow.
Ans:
8h32m55s
